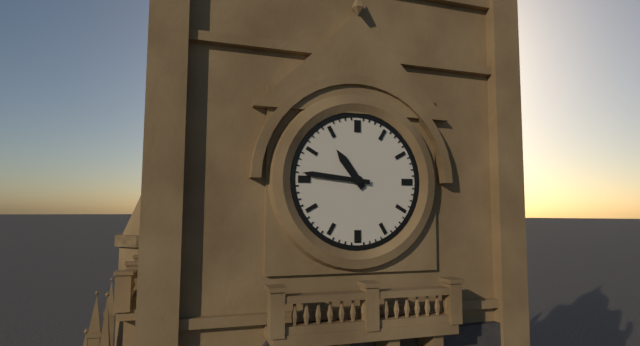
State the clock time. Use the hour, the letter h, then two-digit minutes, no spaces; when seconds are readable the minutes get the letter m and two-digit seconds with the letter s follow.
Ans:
10h46
